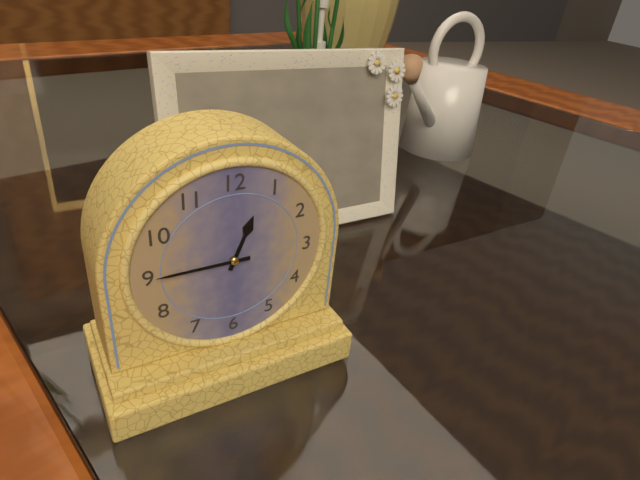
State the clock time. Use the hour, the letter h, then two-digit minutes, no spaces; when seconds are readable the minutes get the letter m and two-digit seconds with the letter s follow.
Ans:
12h45
